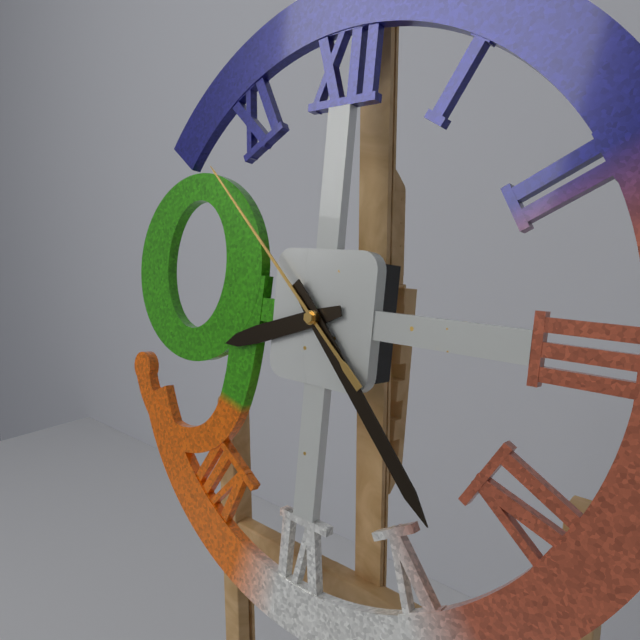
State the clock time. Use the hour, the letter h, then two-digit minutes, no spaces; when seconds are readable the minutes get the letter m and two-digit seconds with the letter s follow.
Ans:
8h23m52s
